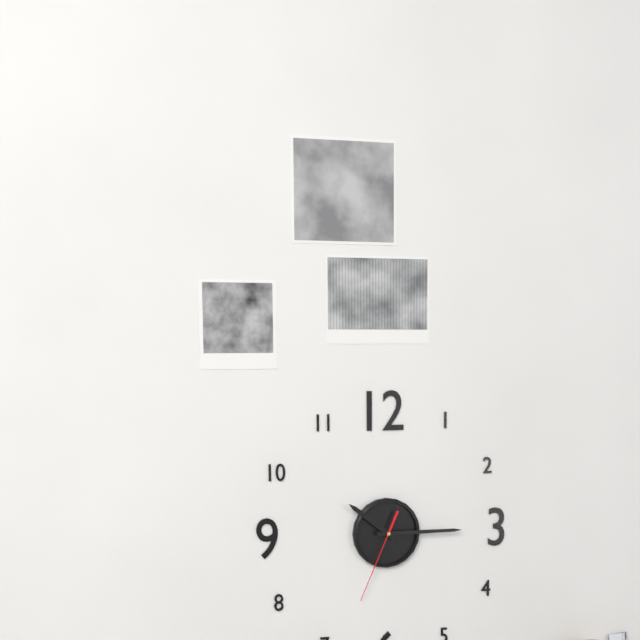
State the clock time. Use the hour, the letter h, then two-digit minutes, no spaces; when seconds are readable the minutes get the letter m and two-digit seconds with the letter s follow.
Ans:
10h15m34s
